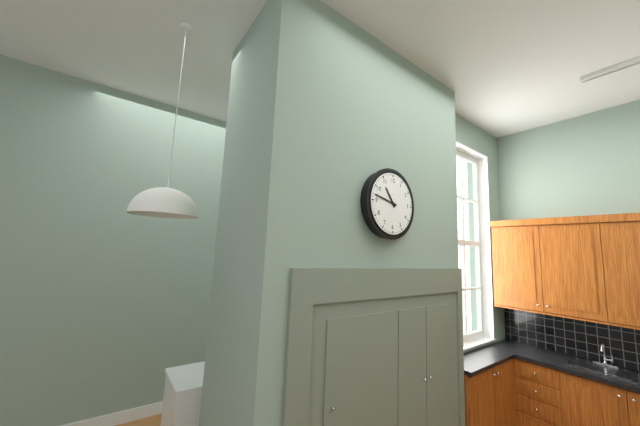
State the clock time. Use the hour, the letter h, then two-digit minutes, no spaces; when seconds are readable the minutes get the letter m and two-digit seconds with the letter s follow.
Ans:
10h47
